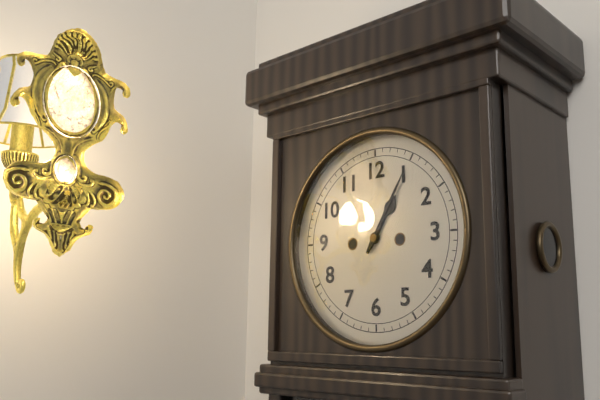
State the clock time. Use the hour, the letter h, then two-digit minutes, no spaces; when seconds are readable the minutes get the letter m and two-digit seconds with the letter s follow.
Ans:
1h05
